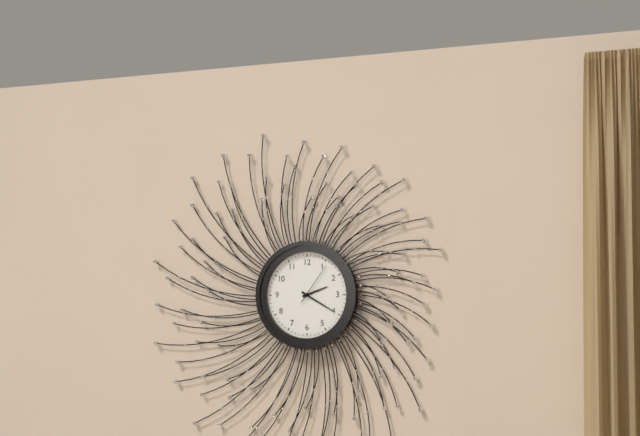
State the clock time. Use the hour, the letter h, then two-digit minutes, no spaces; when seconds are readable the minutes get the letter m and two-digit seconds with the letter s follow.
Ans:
2h20
